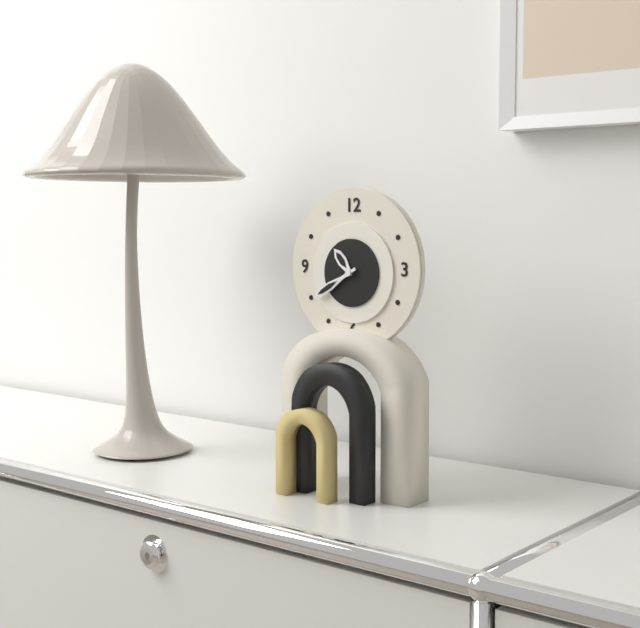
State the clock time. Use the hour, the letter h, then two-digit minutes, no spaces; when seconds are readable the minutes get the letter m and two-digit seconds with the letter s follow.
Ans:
10h40
